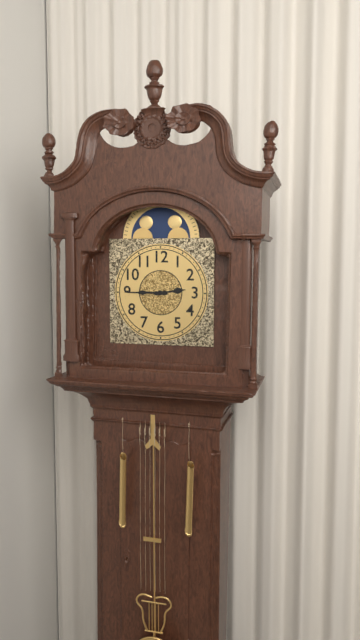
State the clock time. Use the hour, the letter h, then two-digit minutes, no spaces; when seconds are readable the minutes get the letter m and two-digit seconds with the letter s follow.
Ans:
2h45
